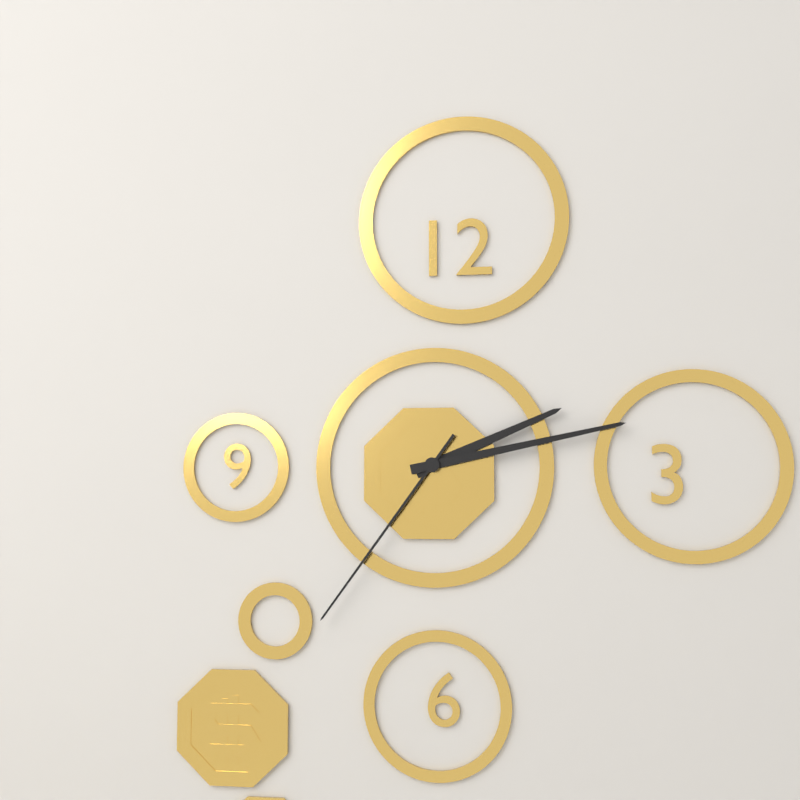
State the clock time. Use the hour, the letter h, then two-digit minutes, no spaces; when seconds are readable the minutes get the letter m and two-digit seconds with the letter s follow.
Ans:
2h13m36s
